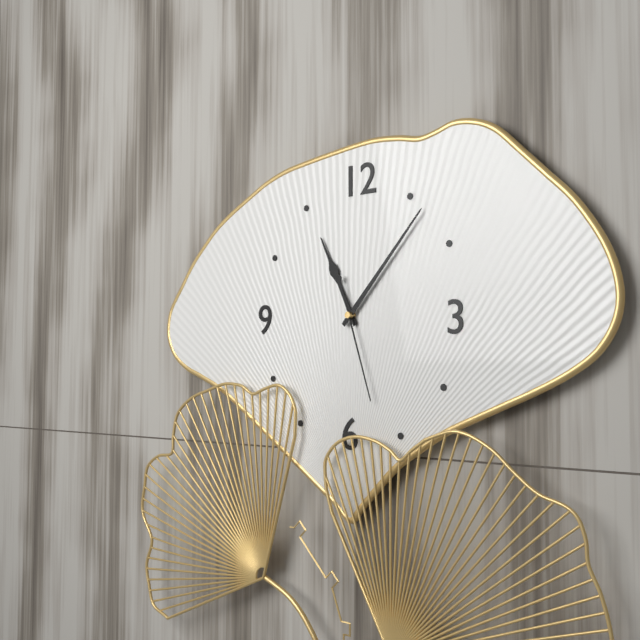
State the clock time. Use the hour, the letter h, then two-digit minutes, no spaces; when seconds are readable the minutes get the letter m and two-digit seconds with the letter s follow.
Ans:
11h07m27s
